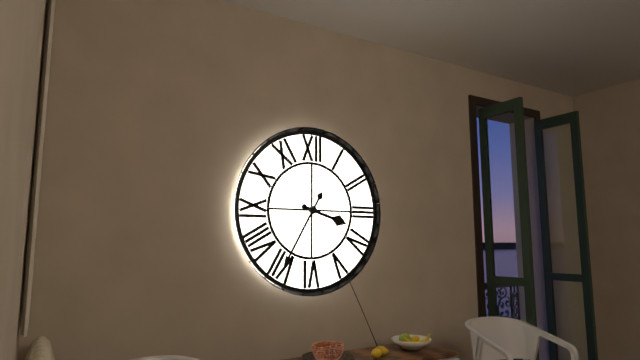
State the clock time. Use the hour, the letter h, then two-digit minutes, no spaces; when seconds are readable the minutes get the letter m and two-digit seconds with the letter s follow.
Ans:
3h35
